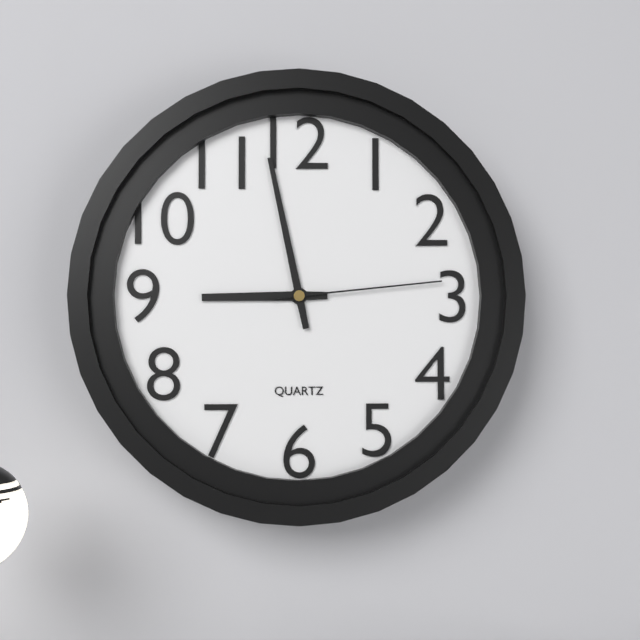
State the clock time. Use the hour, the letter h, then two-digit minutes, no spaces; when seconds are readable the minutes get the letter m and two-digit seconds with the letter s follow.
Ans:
8h58m14s
